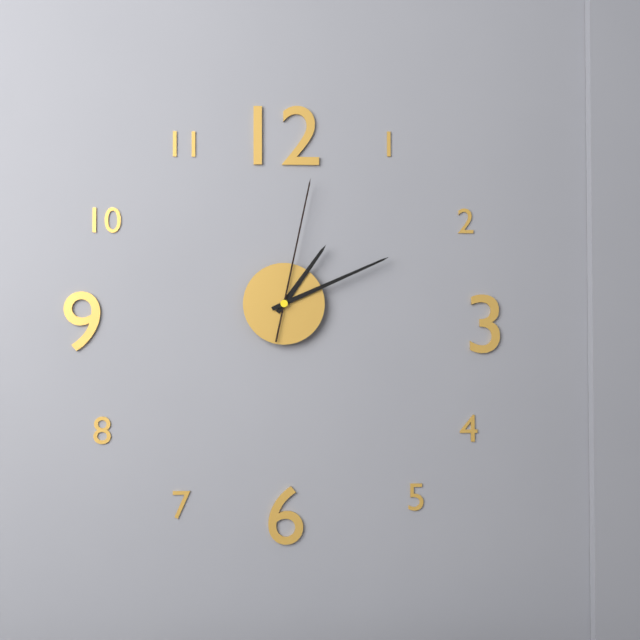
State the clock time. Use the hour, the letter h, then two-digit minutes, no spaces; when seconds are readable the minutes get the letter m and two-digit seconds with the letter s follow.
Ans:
1h11m02s
